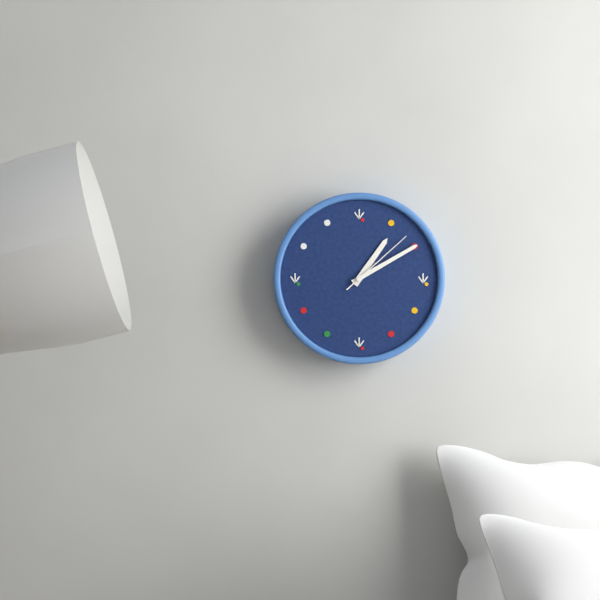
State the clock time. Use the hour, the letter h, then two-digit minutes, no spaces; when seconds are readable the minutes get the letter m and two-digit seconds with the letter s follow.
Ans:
1h10m08s
